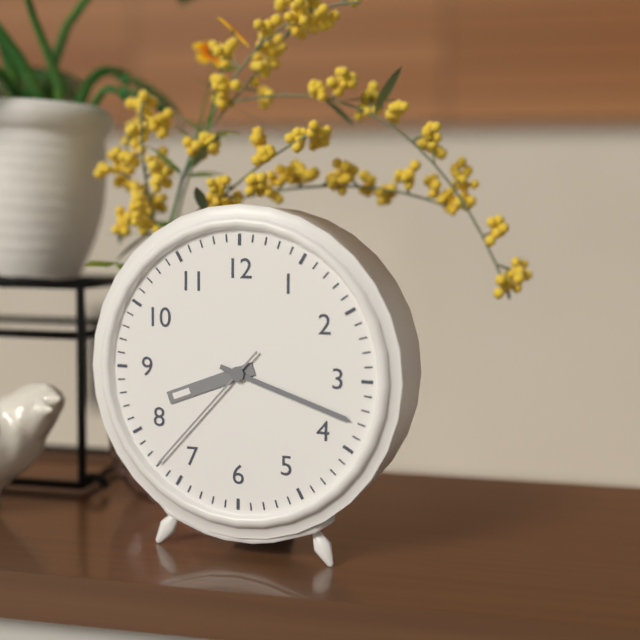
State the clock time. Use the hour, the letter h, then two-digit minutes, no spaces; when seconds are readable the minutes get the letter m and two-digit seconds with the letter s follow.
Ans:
8h18m37s
